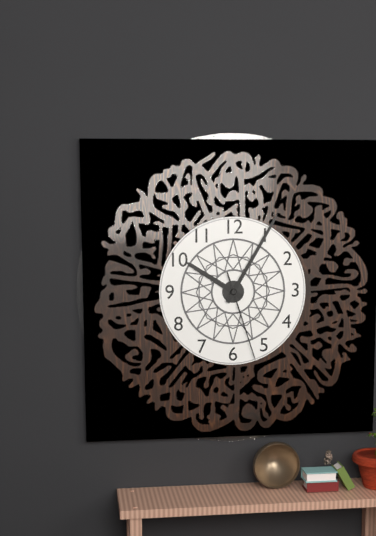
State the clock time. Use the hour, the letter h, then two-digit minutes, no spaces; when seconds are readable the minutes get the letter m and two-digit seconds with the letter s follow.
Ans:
10h05m27s
